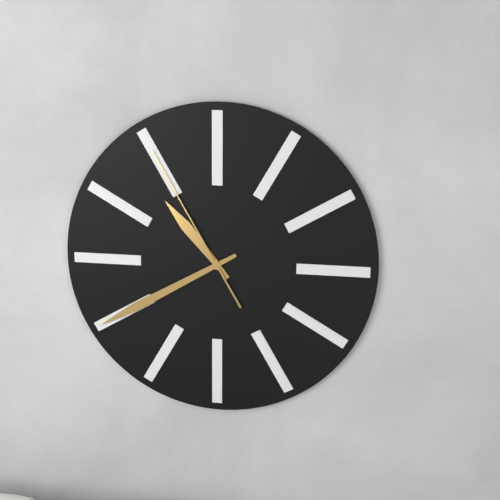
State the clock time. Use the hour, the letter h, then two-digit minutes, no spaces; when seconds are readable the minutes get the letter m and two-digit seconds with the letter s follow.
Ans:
10h40m55s
